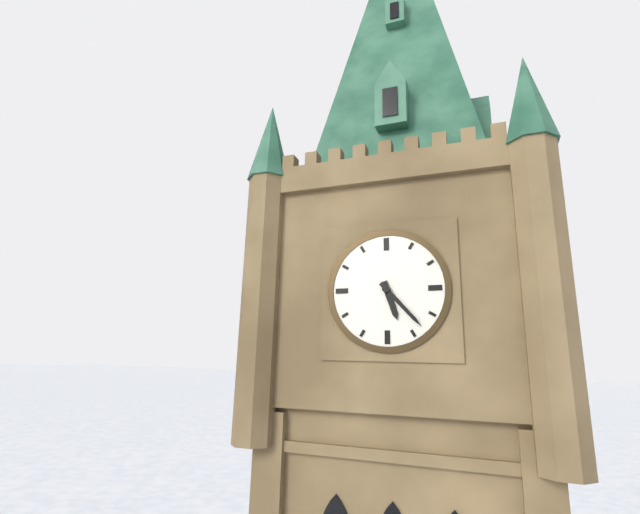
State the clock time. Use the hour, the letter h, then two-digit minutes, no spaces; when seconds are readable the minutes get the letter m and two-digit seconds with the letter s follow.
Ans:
5h23
